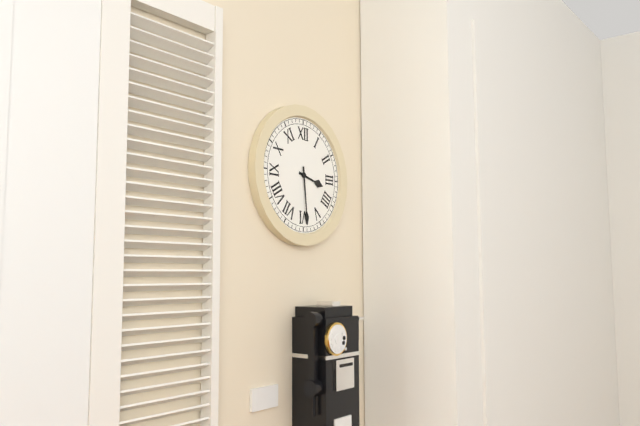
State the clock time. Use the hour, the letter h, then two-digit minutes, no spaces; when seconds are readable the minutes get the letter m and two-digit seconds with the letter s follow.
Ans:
3h29
